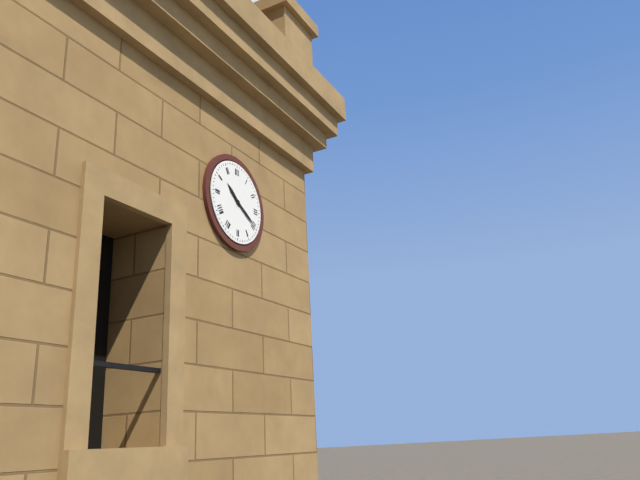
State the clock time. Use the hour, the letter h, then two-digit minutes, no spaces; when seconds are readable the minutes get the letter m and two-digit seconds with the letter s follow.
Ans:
10h20
